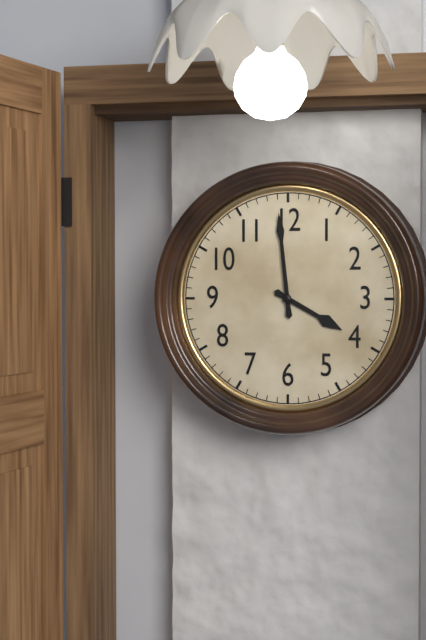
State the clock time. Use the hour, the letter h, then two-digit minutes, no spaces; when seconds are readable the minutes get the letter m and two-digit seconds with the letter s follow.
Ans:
3h59
